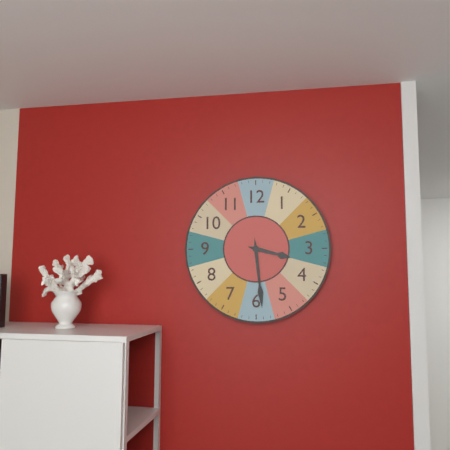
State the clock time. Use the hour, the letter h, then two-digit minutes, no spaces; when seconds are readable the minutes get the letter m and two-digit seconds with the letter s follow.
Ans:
3h29
